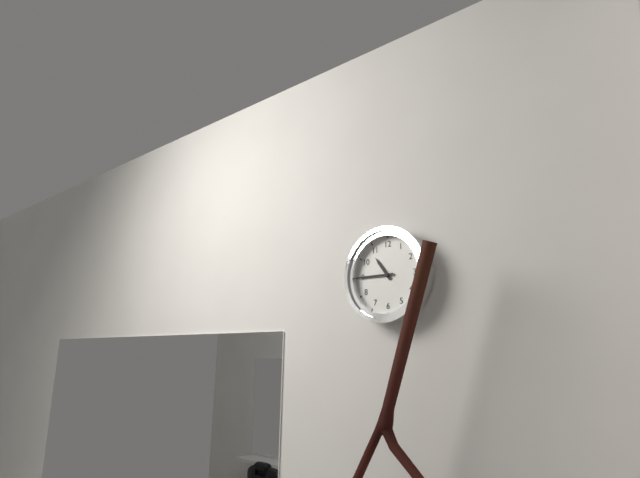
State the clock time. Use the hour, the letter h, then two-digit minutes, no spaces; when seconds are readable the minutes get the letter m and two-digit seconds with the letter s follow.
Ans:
10h45
